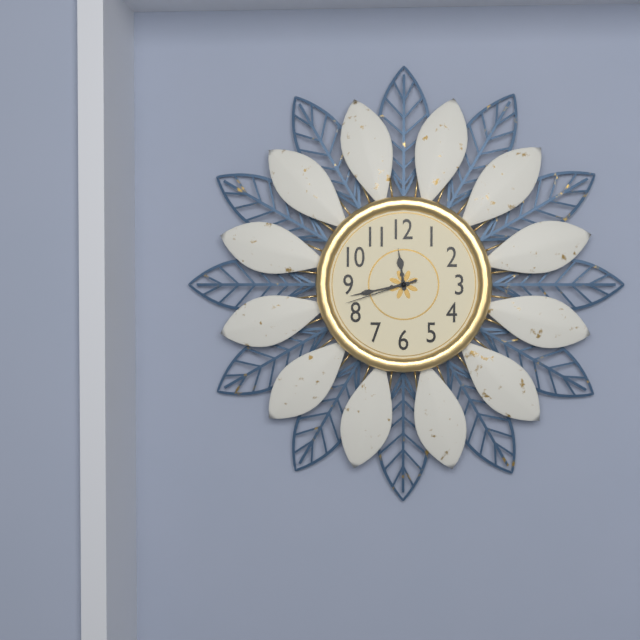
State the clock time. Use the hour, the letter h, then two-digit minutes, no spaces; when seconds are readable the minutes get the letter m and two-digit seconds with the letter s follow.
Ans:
11h43m42s
